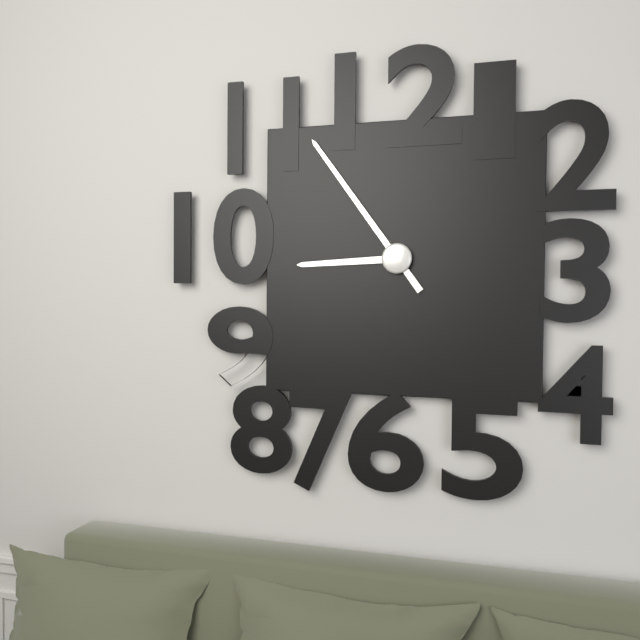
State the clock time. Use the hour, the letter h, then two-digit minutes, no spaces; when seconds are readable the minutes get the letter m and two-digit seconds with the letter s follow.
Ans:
8h54
